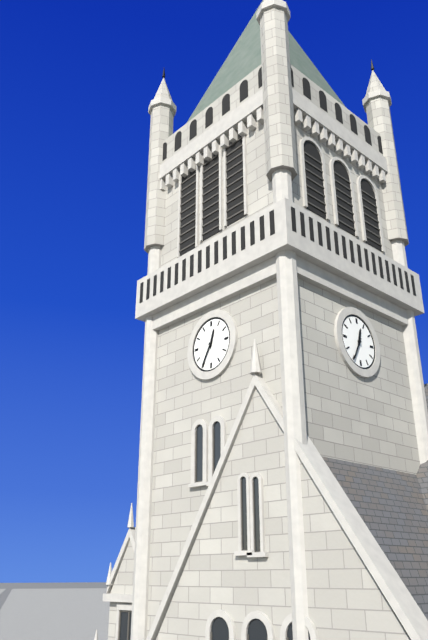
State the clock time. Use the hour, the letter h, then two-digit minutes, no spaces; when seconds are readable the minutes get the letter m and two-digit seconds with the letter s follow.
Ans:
12h35
